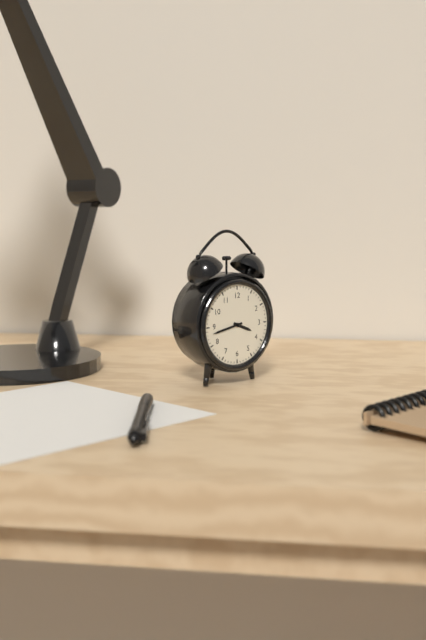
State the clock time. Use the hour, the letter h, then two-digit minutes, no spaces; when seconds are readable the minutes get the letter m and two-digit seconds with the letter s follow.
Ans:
3h43
